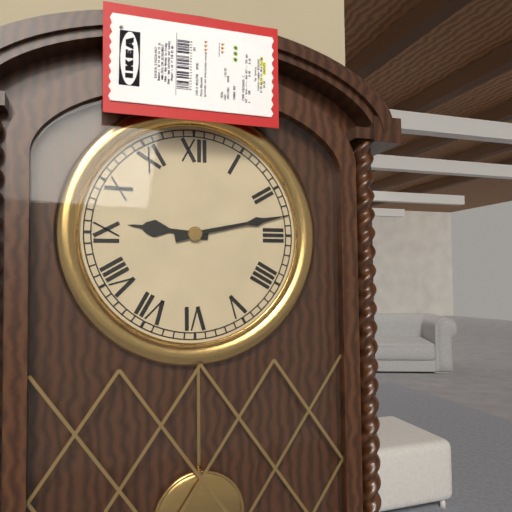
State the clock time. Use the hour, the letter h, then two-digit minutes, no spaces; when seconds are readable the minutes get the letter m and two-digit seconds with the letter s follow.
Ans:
9h13
